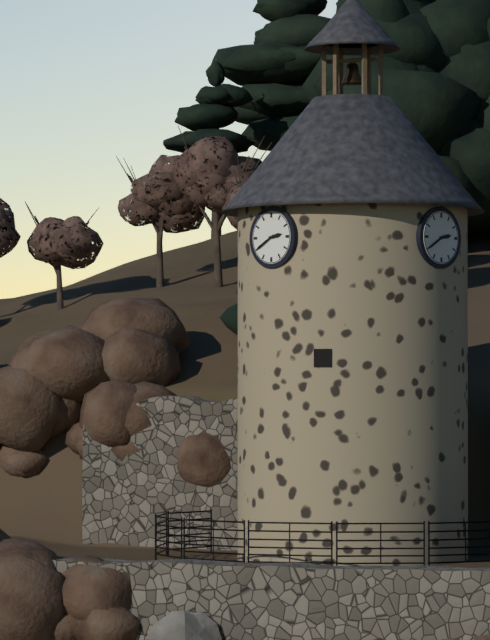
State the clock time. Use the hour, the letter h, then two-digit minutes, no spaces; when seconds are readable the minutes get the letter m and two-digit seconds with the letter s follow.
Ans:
2h40
